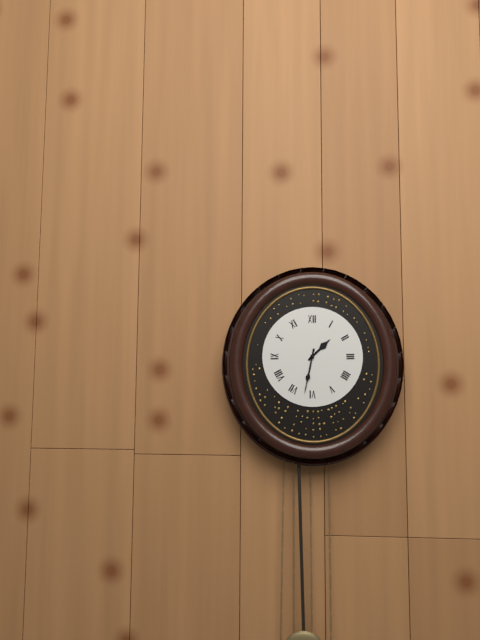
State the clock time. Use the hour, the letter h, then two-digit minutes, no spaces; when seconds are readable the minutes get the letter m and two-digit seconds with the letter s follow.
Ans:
1h32
